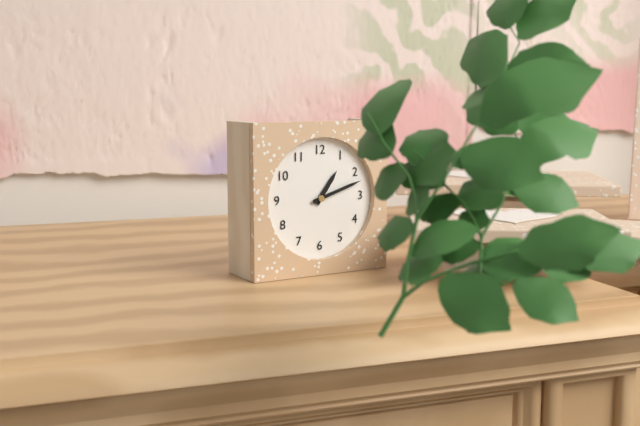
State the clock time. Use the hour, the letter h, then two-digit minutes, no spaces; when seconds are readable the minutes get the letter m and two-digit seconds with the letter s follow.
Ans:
1h12
